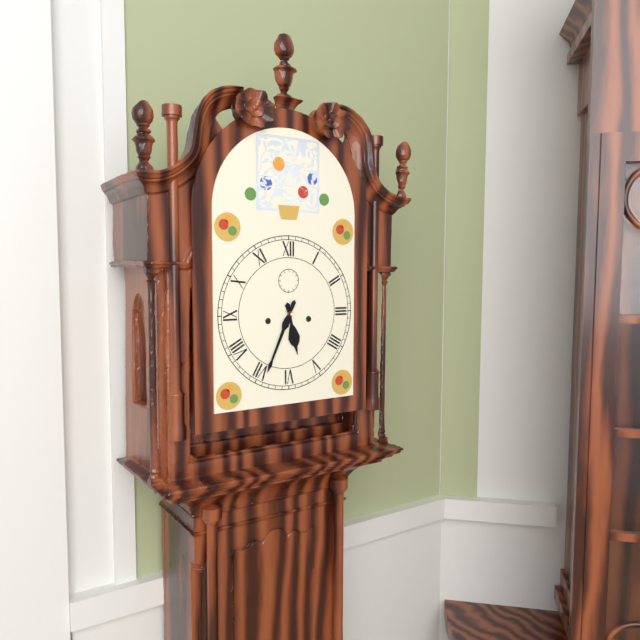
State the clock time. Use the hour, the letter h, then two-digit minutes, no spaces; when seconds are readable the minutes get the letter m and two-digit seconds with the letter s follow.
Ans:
5h34
